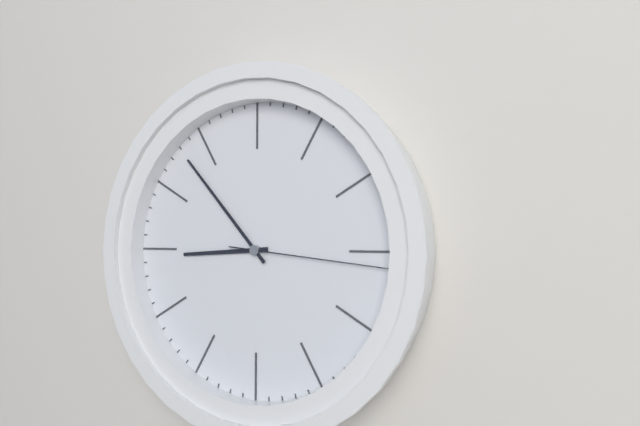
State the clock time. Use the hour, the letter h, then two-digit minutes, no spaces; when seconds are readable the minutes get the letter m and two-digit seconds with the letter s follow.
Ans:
8h53m16s
